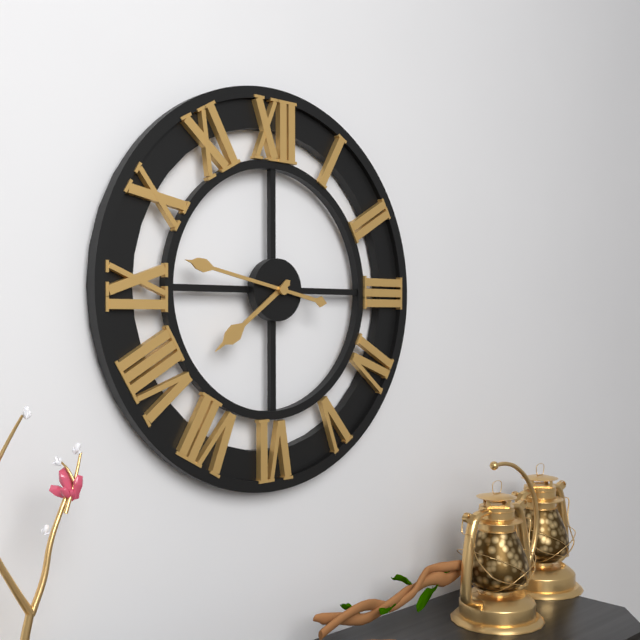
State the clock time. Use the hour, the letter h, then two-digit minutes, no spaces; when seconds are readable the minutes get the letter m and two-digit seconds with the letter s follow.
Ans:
7h47
